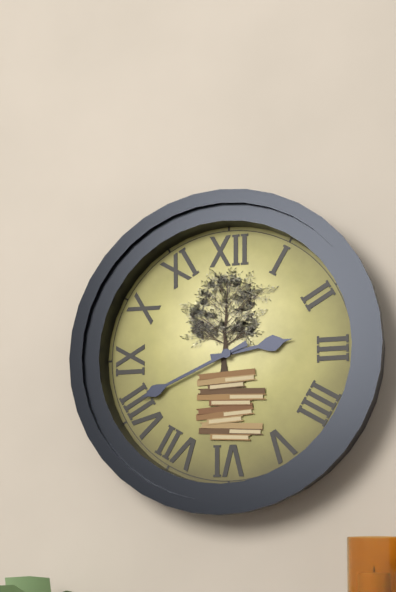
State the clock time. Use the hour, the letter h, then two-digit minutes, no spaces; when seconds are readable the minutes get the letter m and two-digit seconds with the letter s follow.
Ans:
2h41
